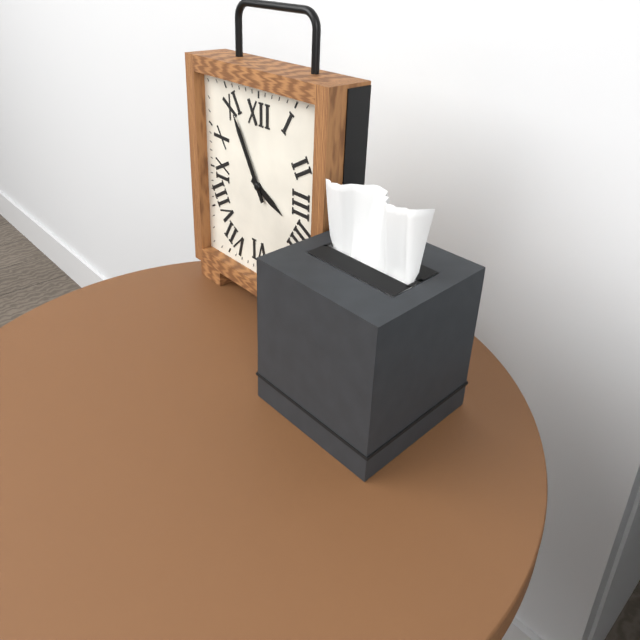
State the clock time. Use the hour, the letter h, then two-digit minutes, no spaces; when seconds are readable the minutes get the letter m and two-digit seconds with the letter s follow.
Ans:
3h55
